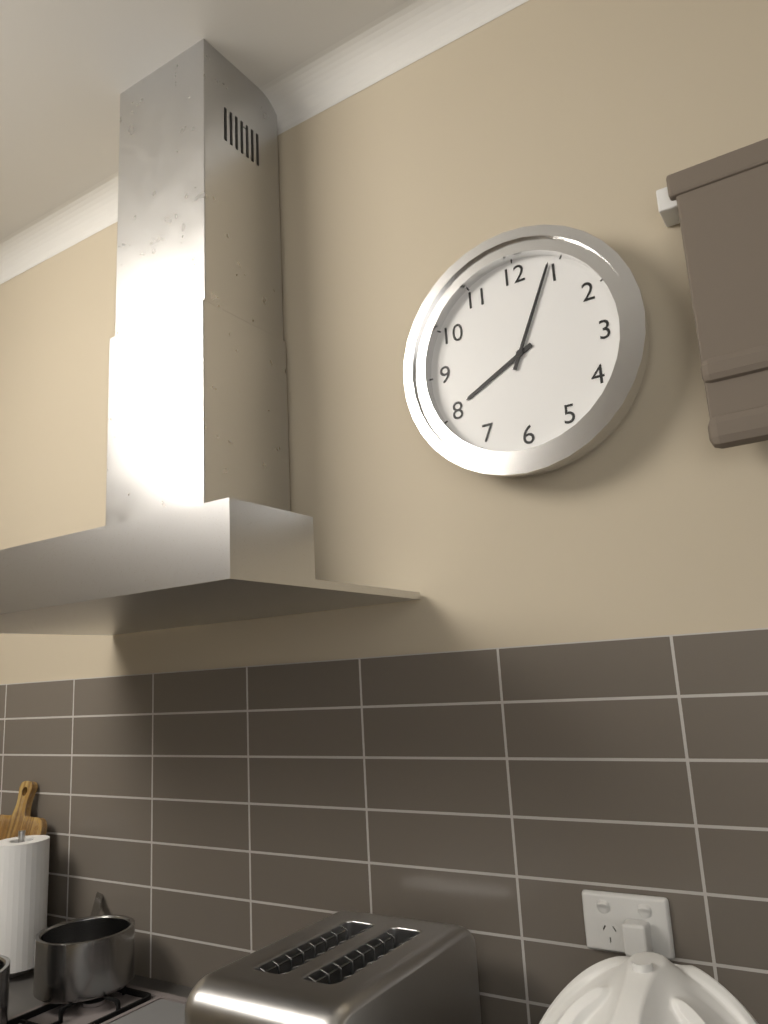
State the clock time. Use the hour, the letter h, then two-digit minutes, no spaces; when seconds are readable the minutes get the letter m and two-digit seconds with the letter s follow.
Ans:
8h04
